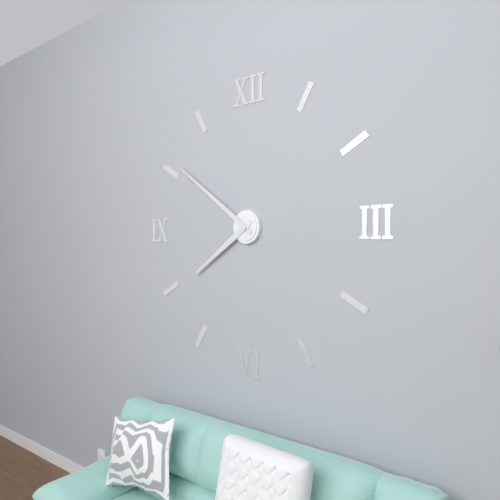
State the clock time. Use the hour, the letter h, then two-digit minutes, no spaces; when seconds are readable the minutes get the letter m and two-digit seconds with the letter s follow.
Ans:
7h51
